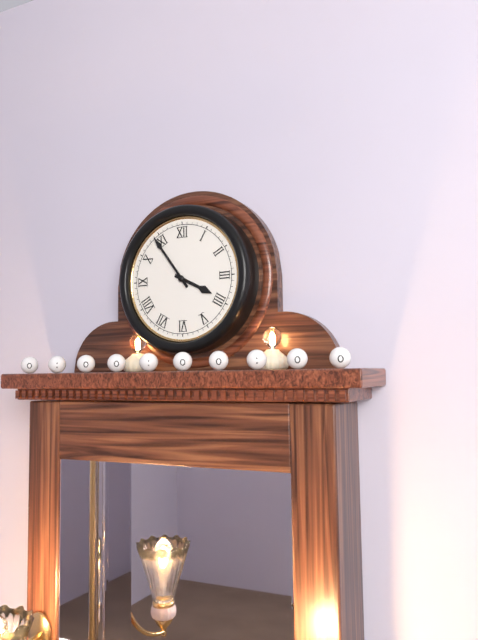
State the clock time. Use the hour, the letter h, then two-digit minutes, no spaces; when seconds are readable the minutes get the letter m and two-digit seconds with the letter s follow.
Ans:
3h54
